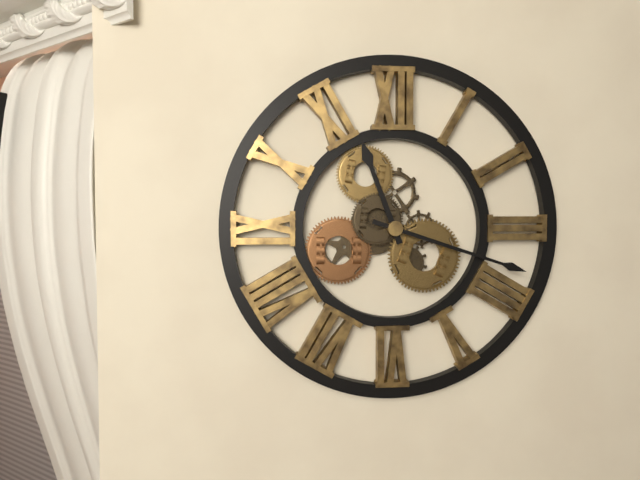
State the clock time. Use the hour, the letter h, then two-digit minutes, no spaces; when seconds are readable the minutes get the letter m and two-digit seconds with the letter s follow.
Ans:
11h18
